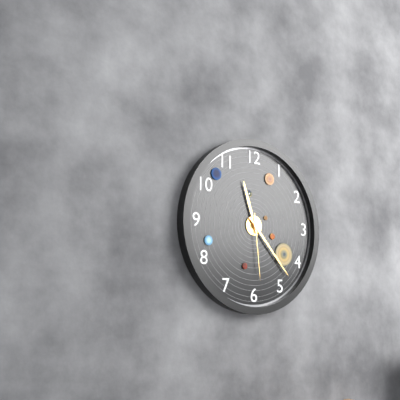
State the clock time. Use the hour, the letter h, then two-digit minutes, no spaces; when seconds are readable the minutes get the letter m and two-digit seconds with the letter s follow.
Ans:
11h23m29s
